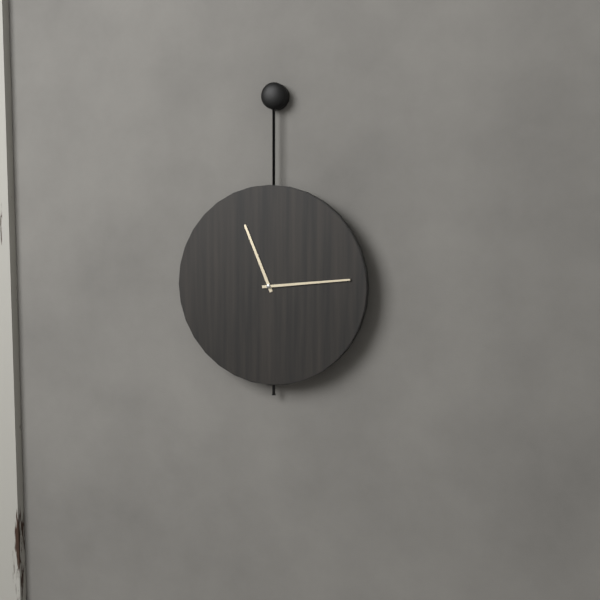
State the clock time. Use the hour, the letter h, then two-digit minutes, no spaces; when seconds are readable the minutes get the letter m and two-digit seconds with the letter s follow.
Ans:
11h14
